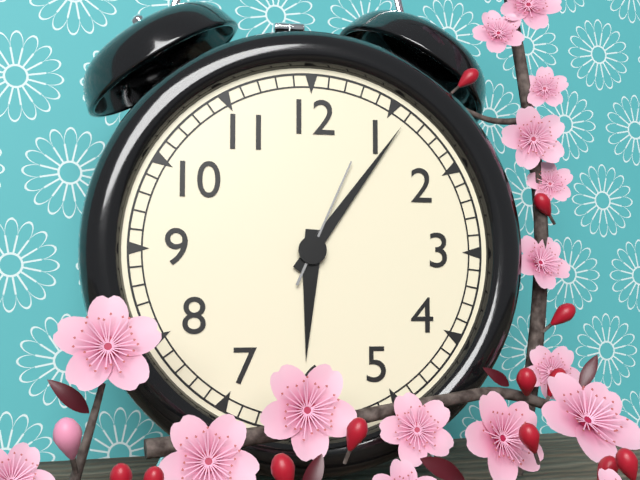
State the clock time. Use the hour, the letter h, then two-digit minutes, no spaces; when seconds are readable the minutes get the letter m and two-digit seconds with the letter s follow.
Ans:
6h06m04s
